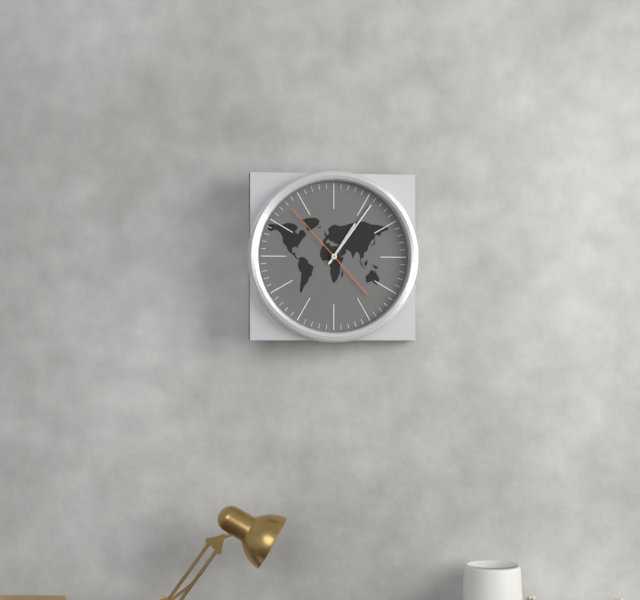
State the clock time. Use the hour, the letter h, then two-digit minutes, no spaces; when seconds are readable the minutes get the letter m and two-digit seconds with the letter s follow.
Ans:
1h06m53s
